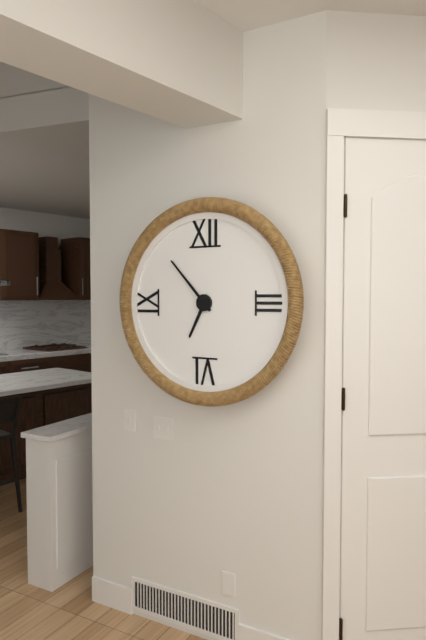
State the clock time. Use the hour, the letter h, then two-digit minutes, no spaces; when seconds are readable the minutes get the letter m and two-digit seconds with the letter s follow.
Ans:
6h53
